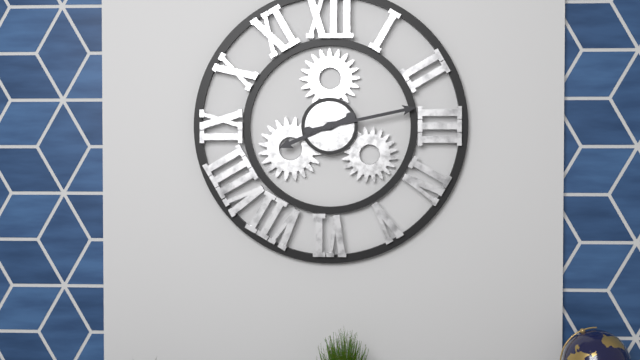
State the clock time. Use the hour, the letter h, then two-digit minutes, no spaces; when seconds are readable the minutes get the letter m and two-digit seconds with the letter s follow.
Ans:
8h13
